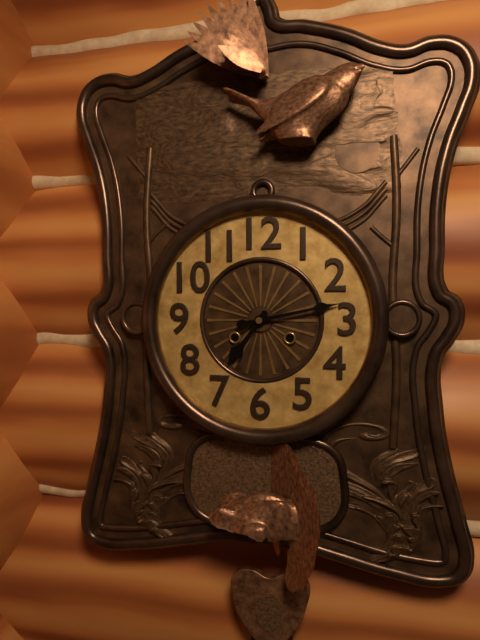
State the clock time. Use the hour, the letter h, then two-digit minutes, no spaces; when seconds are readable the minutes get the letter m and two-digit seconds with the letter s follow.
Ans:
7h13
